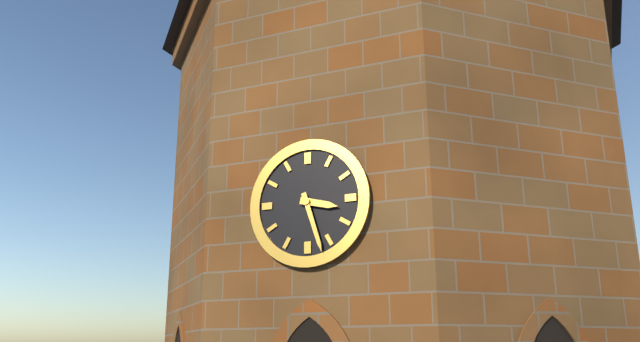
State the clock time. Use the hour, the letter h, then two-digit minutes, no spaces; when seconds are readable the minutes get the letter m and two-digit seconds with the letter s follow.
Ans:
3h27
